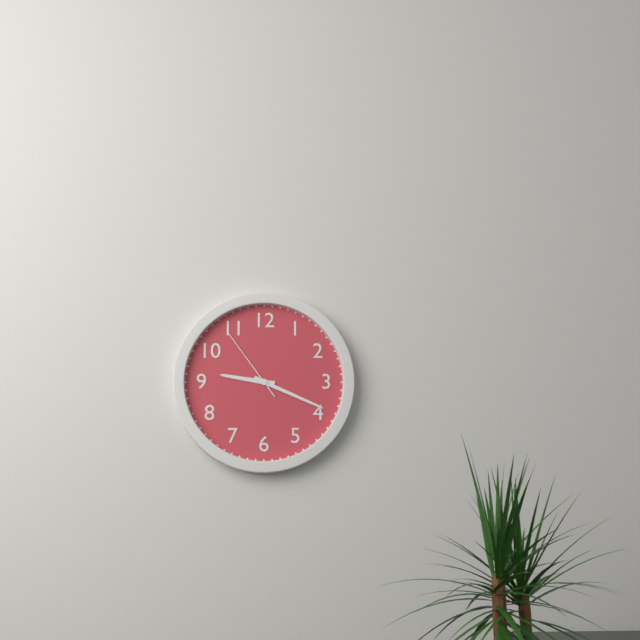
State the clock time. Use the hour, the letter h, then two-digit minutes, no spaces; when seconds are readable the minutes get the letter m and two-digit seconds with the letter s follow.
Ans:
9h19m54s
